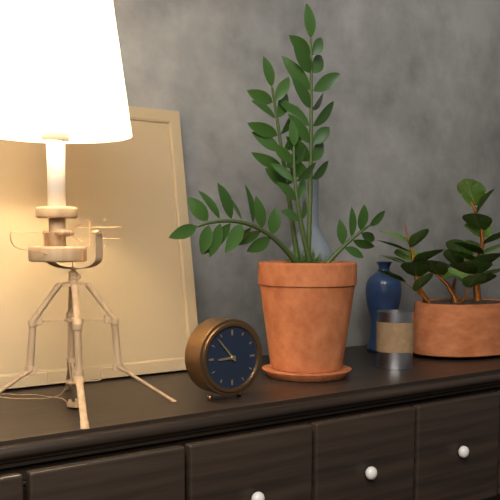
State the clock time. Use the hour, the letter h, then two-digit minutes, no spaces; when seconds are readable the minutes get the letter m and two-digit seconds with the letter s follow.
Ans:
8h53
